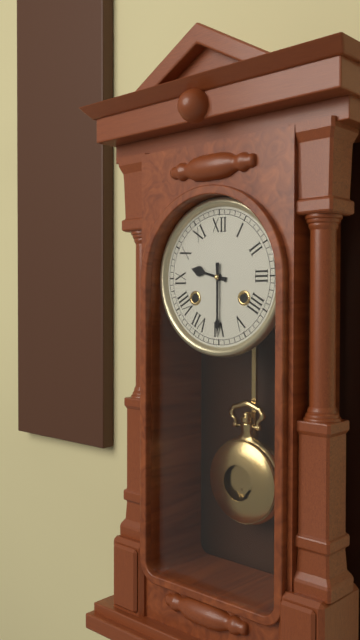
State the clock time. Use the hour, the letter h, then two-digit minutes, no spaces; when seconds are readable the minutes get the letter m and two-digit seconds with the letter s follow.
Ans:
9h30
